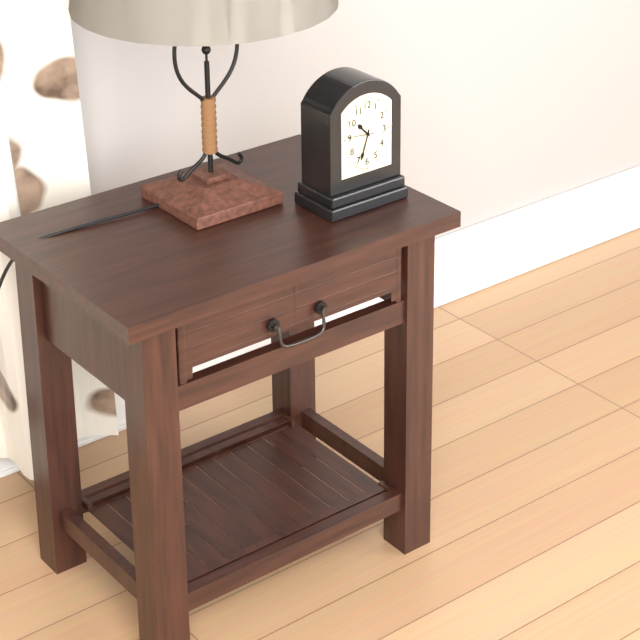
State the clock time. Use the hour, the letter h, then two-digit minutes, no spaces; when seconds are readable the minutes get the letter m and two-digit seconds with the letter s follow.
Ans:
10h33
